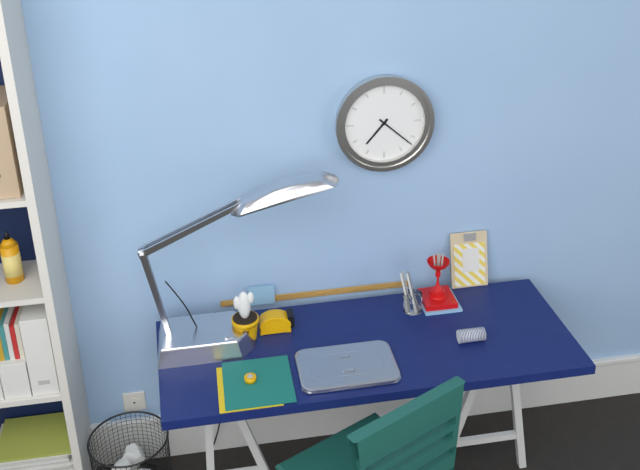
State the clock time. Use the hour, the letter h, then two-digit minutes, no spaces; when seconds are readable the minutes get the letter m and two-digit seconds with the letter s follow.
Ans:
7h22
